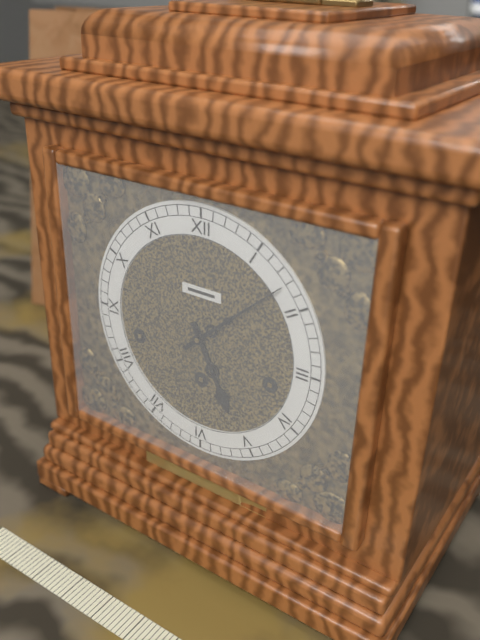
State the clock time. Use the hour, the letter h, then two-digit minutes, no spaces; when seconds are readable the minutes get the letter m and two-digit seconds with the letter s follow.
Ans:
5h08
